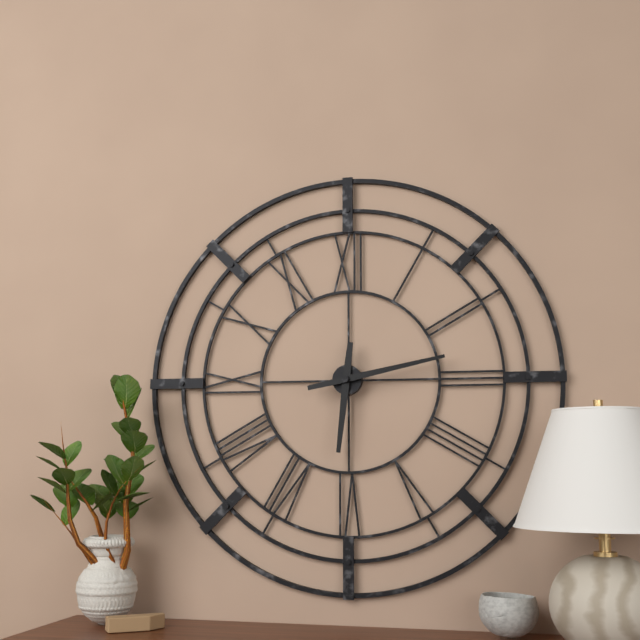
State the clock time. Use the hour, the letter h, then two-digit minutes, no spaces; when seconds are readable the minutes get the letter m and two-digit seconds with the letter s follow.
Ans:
6h13
